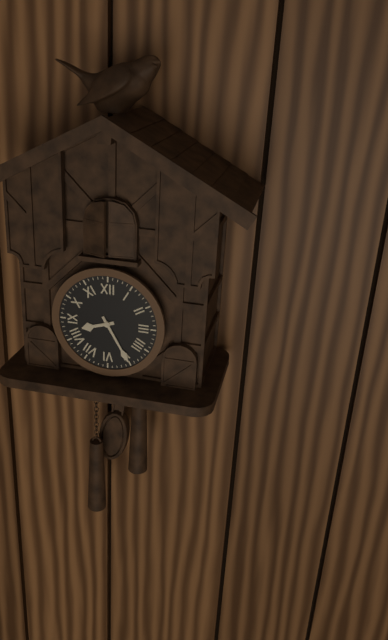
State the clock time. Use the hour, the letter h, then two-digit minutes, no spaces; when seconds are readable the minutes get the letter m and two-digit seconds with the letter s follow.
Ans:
8h25
